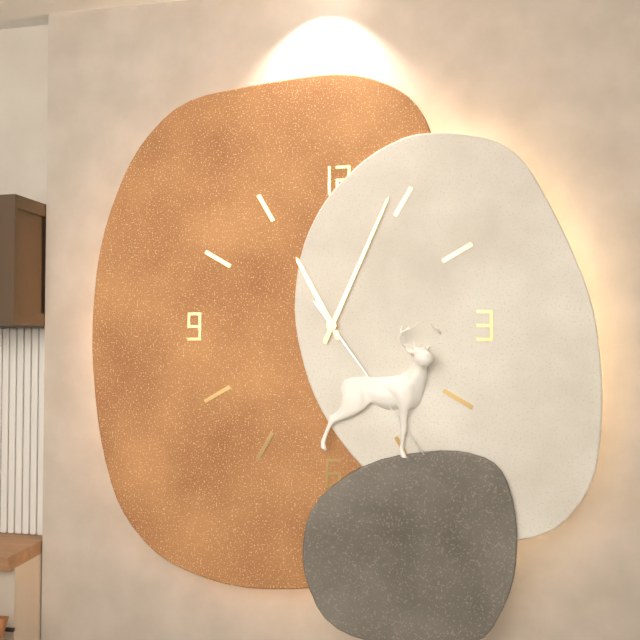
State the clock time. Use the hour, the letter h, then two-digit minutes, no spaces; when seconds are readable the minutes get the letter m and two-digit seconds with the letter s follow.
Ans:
11h04m24s
